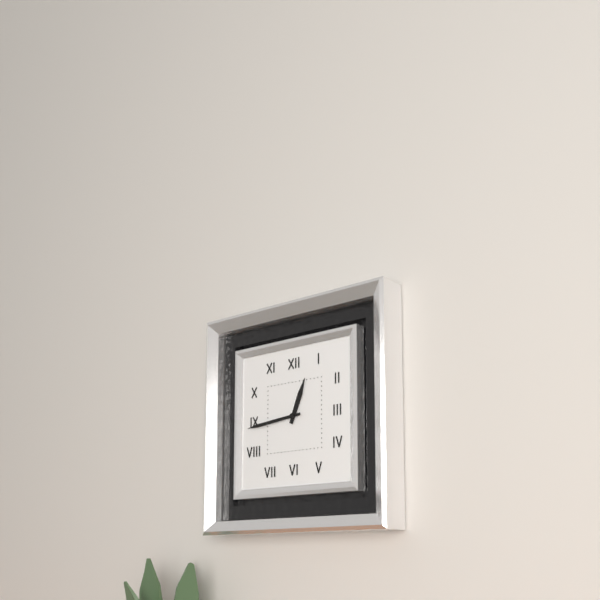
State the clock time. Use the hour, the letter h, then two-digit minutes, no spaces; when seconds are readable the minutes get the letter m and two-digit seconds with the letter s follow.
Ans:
12h44
